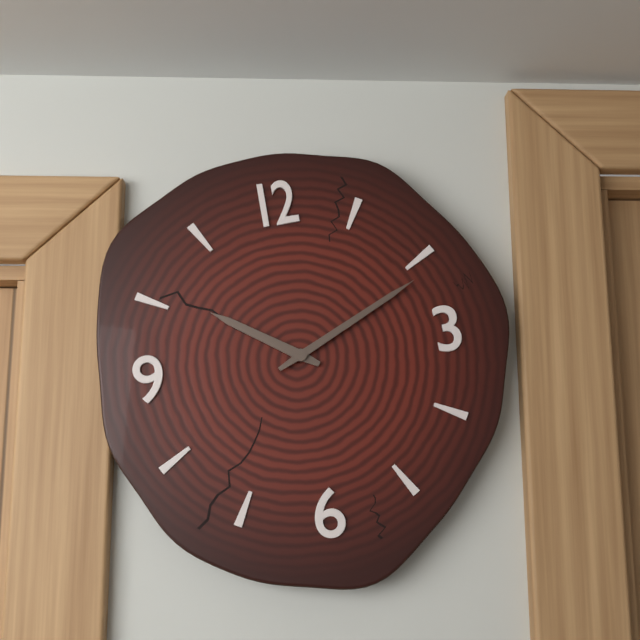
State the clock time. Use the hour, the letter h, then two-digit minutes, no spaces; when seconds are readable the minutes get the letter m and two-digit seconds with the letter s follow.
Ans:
10h11
